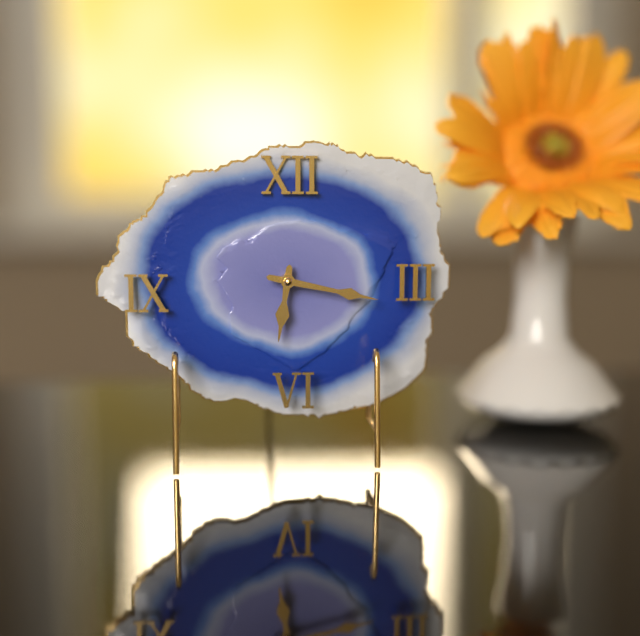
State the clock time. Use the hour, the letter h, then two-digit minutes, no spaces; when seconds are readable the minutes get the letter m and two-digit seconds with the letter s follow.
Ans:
6h17
